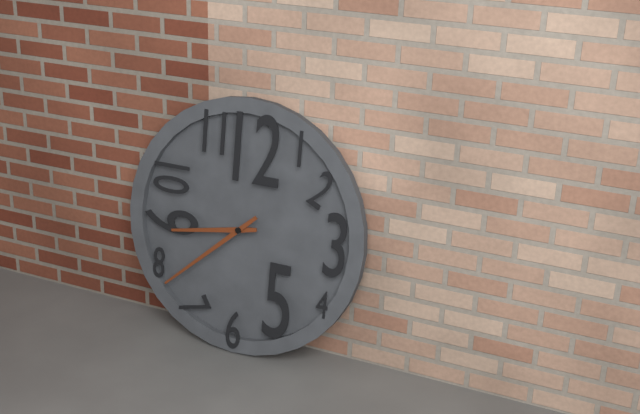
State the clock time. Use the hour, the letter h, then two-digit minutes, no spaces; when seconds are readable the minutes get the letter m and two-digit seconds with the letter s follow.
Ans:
8h38
